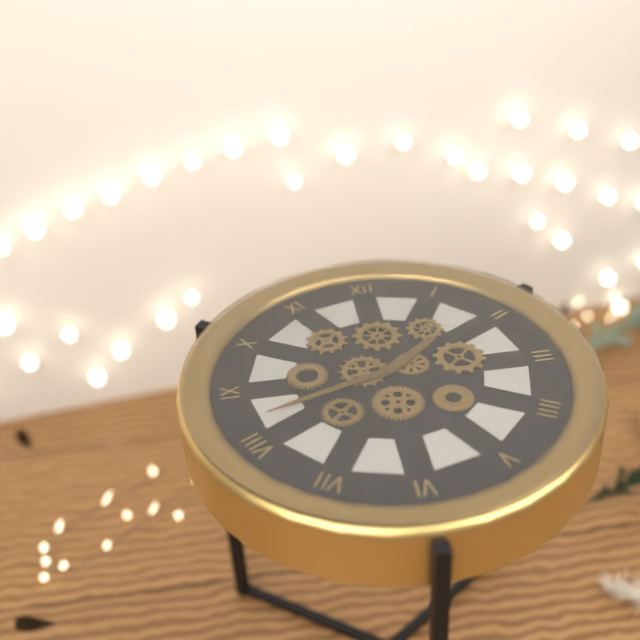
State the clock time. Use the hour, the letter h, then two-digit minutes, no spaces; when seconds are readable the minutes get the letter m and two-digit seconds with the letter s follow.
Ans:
1h42
